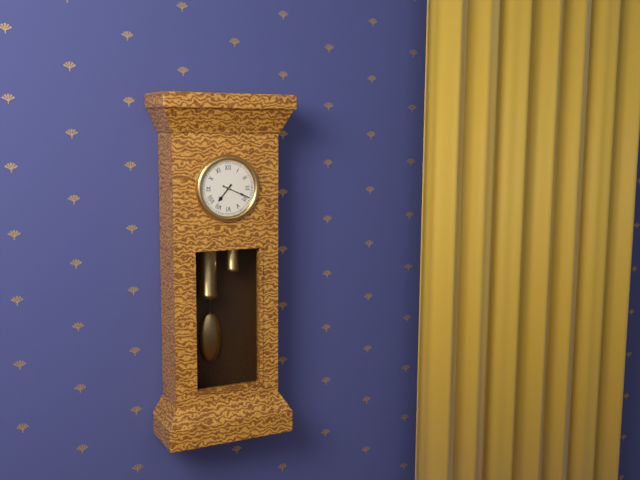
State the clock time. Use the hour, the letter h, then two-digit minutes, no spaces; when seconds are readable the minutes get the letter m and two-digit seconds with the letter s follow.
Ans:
7h19
